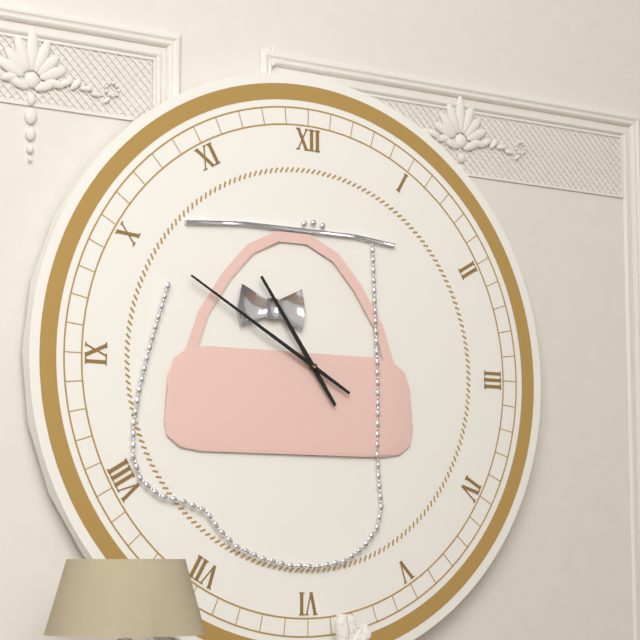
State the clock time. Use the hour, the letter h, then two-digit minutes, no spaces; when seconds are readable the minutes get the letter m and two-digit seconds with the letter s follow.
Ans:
10h50
